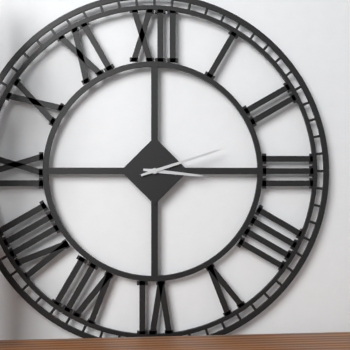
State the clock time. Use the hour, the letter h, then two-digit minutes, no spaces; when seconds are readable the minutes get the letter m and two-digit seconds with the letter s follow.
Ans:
3h12
